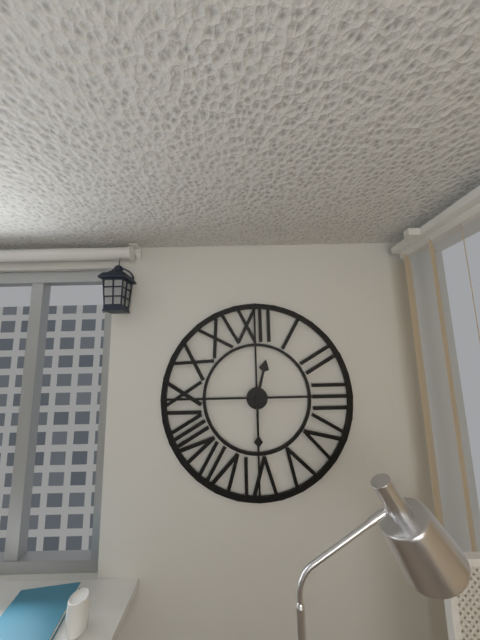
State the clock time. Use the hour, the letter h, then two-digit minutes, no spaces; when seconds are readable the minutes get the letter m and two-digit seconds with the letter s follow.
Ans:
12h30
